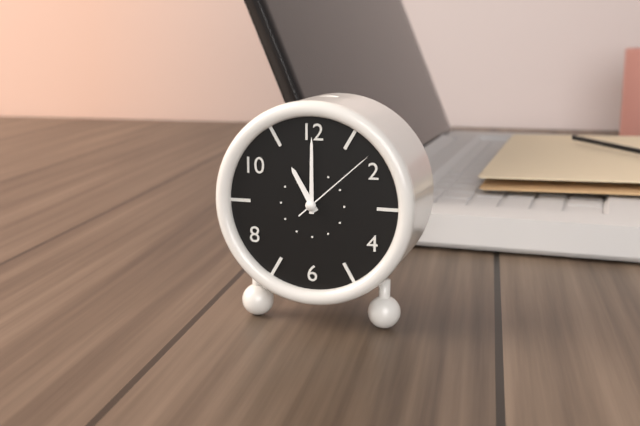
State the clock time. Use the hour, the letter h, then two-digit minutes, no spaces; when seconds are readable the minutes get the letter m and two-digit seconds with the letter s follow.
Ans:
11h00m08s
